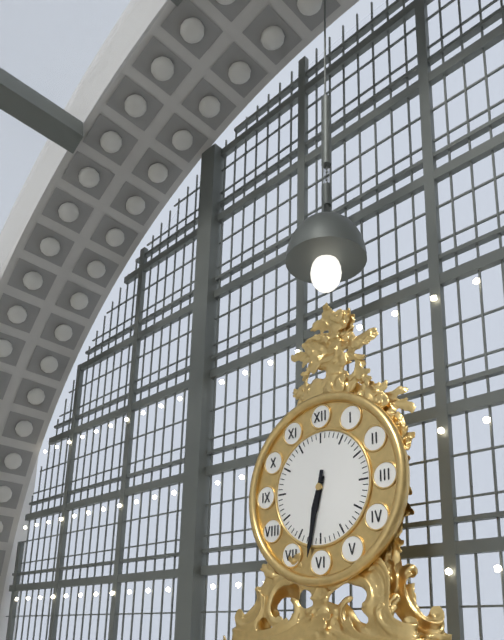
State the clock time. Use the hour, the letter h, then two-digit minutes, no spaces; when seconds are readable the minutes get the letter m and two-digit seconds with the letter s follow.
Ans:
6h32
